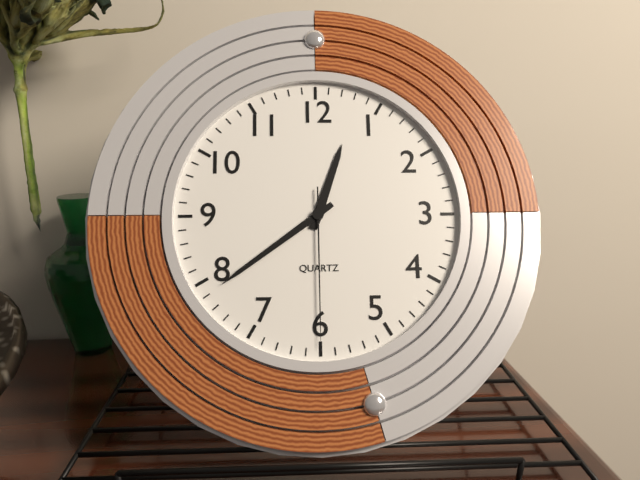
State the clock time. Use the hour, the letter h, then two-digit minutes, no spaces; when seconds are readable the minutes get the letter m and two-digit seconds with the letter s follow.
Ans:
12h39m30s
